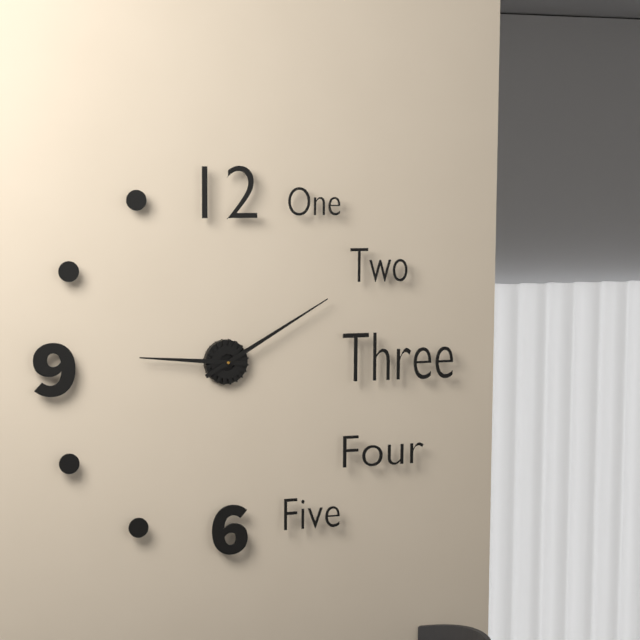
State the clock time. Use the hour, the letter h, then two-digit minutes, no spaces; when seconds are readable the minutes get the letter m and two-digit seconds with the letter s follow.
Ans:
9h10
